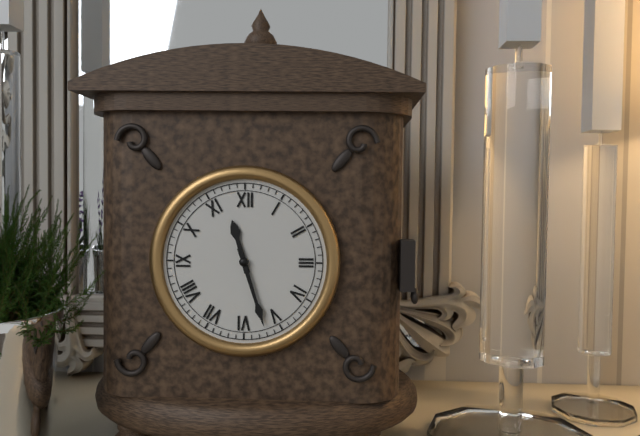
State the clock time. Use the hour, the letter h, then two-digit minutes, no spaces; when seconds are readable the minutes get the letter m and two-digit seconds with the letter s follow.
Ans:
11h27
